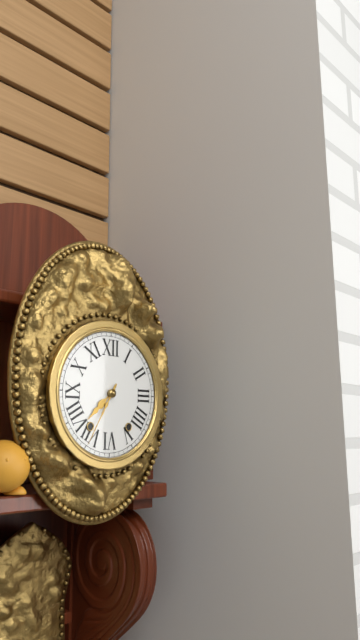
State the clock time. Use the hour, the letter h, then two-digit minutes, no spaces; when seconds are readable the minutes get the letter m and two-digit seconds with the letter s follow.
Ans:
7h35
